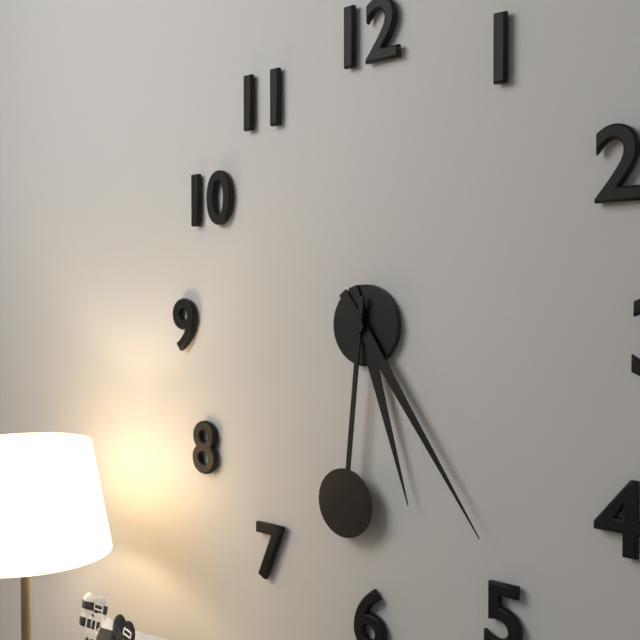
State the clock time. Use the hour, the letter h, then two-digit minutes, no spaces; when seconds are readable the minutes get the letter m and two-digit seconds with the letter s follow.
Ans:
5h24m31s
